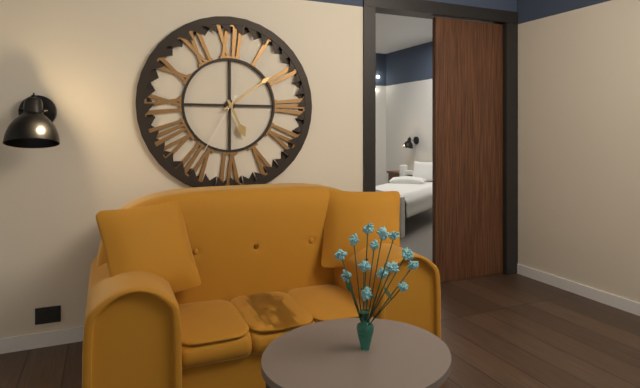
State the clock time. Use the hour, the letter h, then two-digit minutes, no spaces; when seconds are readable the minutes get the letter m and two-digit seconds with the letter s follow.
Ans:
5h09m35s
